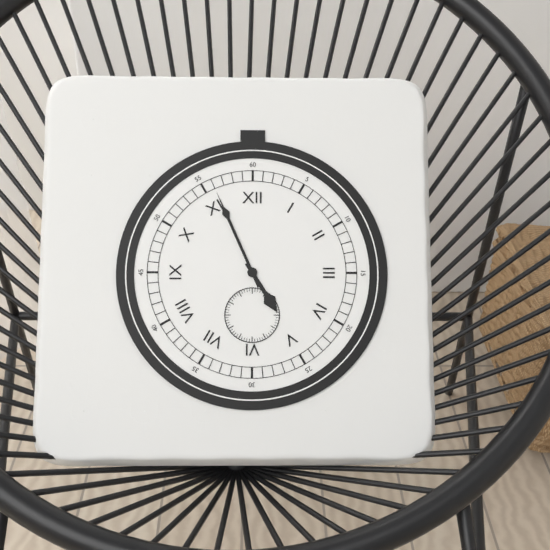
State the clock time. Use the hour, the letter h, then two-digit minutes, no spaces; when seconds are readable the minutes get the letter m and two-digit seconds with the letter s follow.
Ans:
4h56
